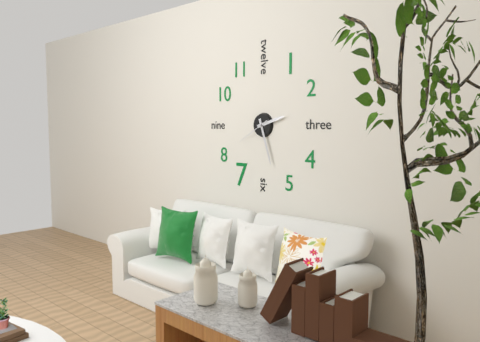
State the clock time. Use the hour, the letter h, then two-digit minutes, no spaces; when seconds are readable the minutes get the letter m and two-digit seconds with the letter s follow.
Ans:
2h27
